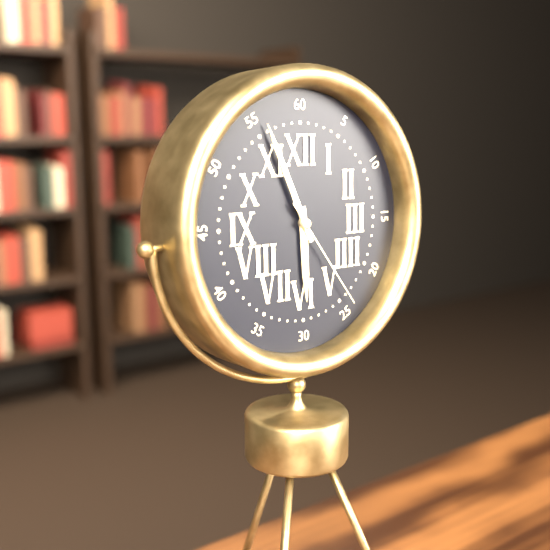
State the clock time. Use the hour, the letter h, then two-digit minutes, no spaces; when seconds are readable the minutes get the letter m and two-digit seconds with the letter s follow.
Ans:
5h56m24s
